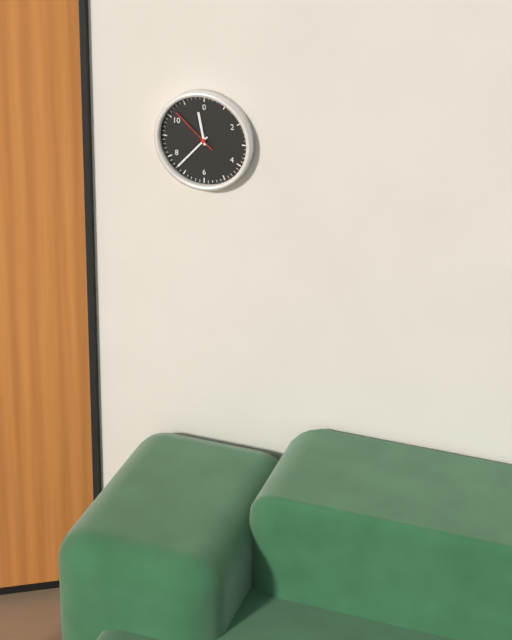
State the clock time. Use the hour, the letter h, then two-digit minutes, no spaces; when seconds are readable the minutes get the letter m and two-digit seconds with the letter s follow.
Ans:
11h37
